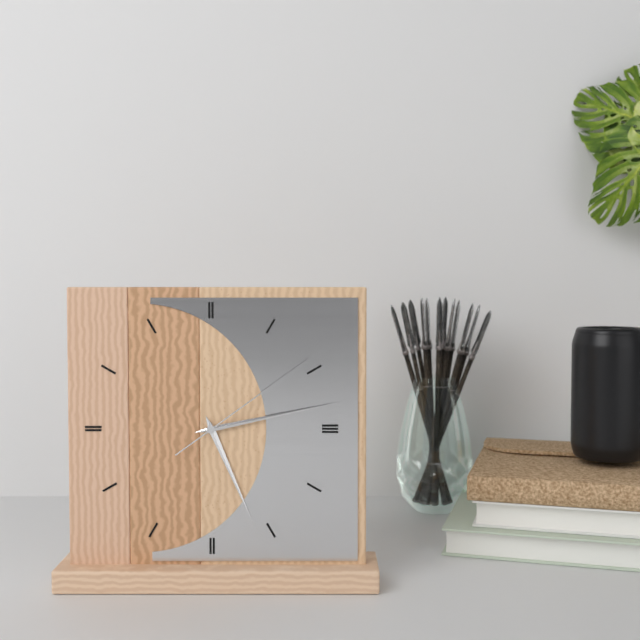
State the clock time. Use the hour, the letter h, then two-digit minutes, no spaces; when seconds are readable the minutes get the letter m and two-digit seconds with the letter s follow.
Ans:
5h13m09s
